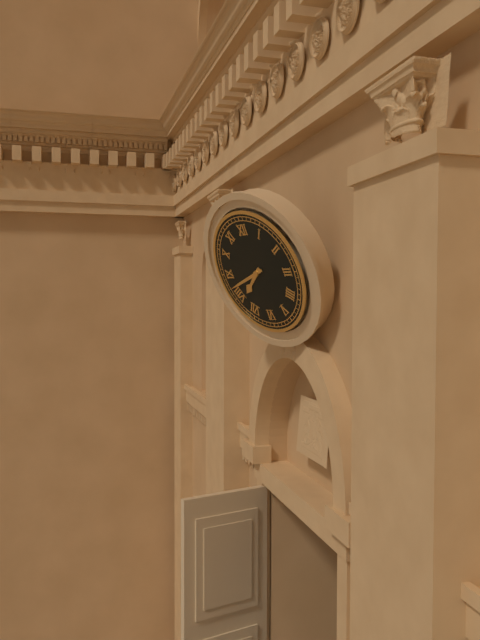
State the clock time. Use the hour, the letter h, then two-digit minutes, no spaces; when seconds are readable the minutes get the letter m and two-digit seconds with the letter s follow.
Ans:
7h42
